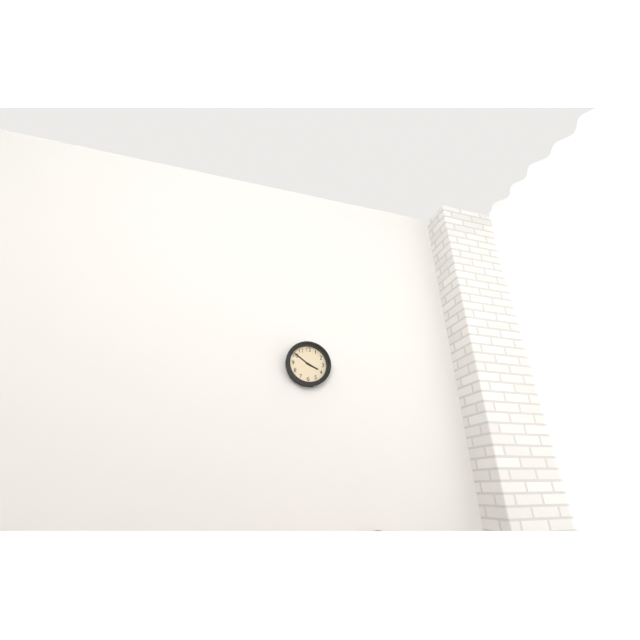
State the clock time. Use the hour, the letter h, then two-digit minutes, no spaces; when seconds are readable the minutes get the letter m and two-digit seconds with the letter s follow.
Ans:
3h51
